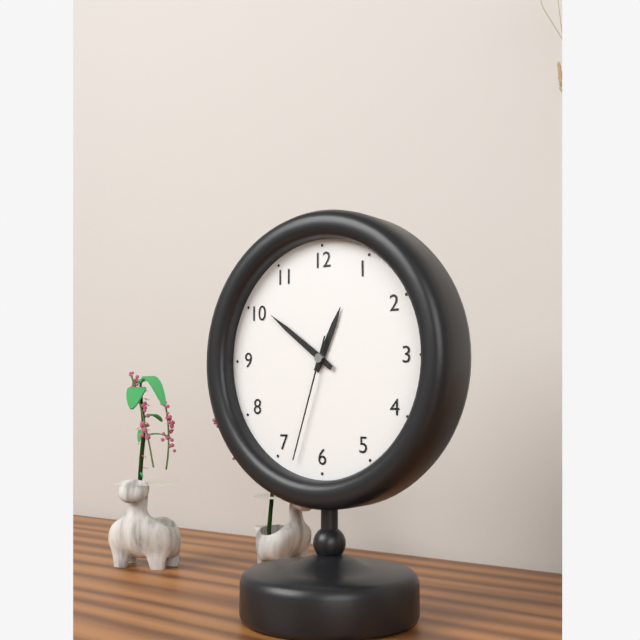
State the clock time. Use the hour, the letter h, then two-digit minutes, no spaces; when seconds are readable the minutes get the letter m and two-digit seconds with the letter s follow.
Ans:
12h51m33s
